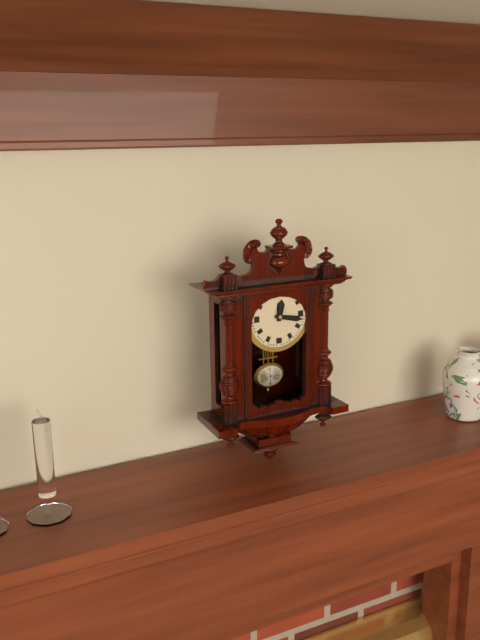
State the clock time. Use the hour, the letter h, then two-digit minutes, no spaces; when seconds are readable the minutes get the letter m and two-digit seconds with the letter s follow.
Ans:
12h17
